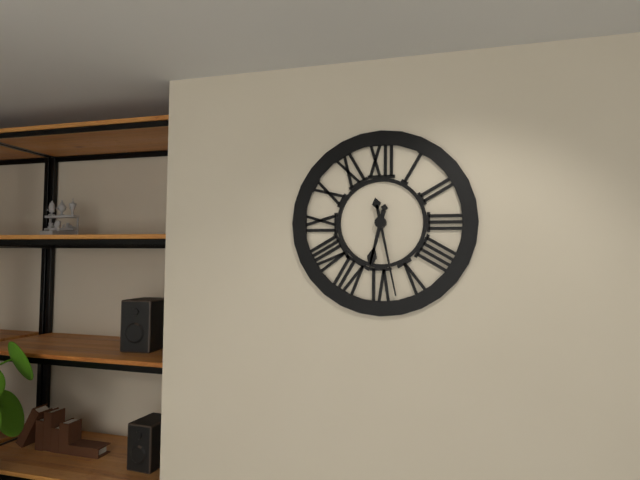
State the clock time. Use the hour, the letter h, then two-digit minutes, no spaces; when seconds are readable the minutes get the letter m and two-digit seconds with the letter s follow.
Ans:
6h28
